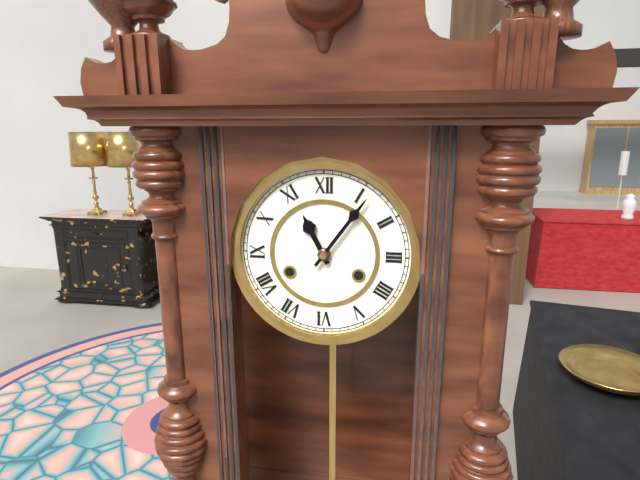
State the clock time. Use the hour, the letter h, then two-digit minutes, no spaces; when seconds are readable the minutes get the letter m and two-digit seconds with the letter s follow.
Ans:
11h06
